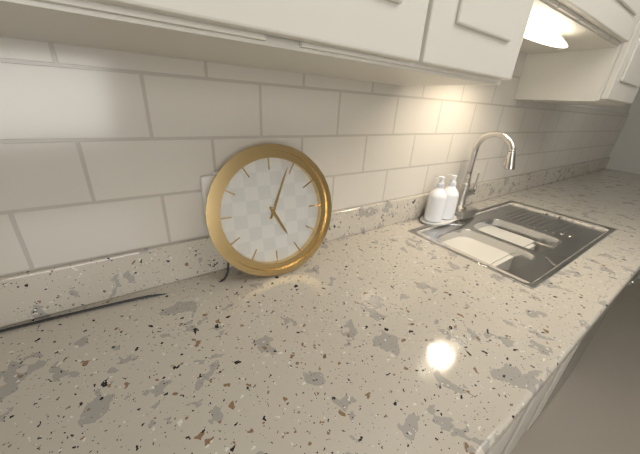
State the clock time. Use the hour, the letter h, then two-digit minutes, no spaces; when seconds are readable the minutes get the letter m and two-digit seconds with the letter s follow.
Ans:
5h04
